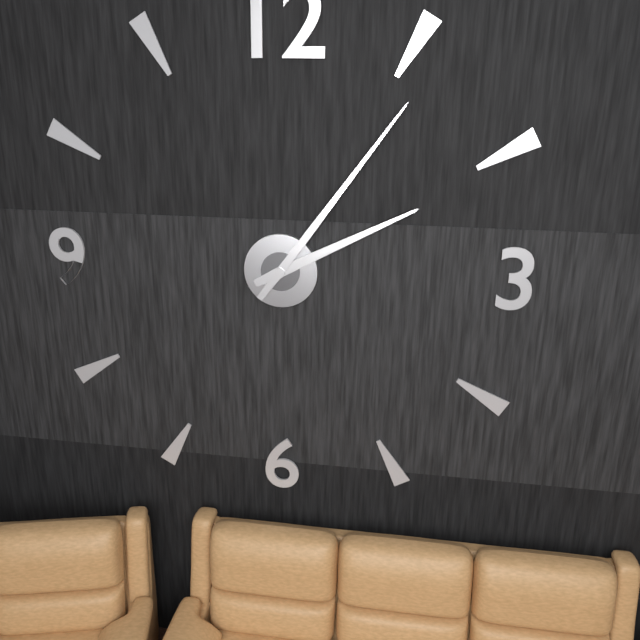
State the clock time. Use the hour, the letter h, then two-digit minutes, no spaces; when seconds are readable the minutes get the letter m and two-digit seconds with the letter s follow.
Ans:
2h06
